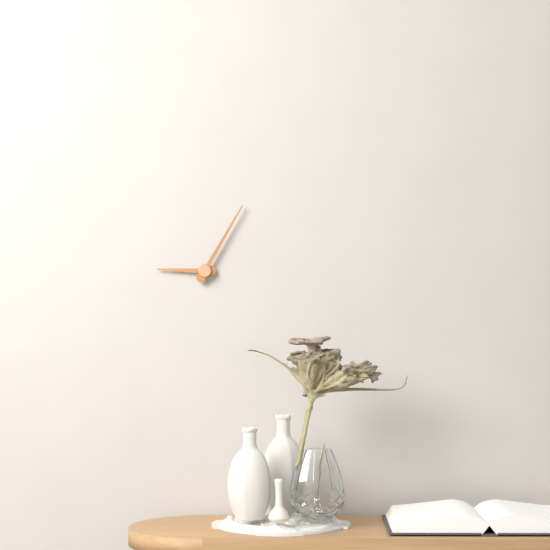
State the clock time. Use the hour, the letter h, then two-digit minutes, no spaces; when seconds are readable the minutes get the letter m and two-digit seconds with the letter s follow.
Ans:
9h05
